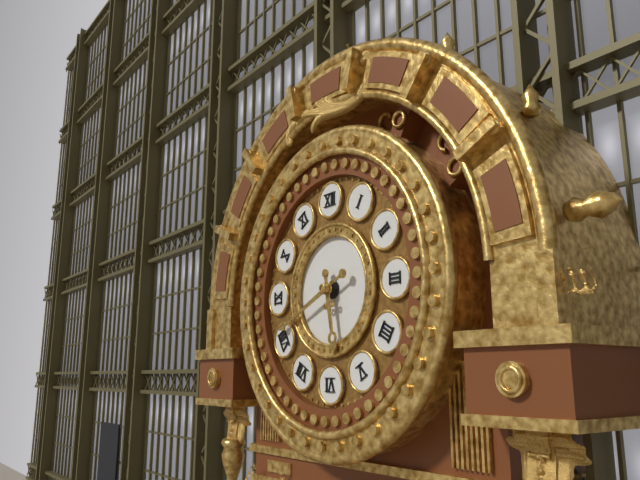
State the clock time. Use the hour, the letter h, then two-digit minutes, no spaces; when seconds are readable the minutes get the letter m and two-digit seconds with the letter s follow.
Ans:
5h41
